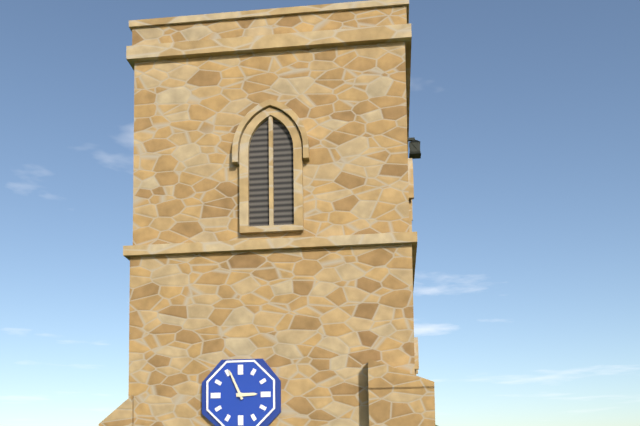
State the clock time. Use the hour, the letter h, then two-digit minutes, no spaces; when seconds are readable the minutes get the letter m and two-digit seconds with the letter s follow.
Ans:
2h56
